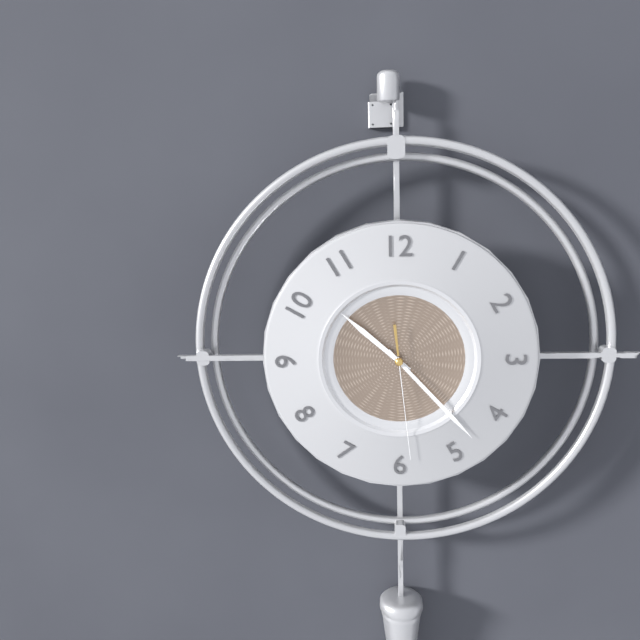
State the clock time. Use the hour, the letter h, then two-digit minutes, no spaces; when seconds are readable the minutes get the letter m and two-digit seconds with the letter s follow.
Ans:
10h23m29s
